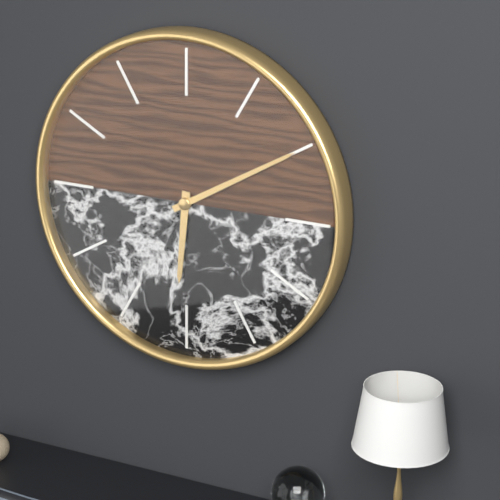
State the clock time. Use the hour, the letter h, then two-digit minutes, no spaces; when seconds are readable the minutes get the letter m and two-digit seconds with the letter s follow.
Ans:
6h10
